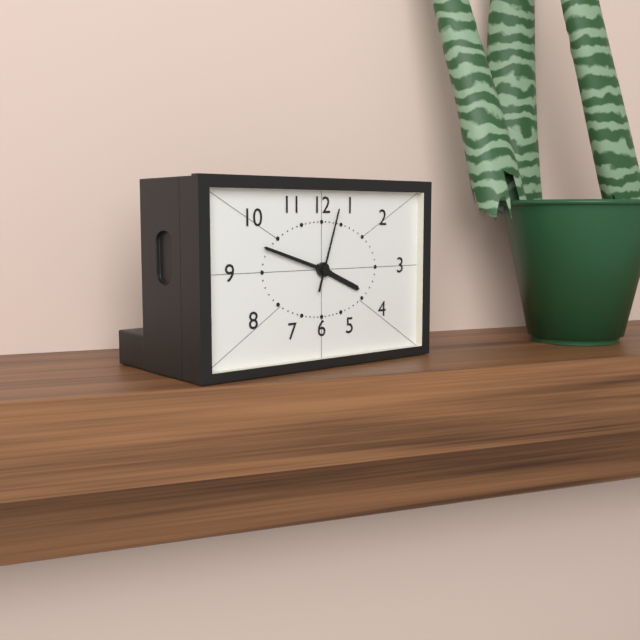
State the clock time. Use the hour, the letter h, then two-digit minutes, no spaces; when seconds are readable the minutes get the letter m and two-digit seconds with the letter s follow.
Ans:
3h48m03s
